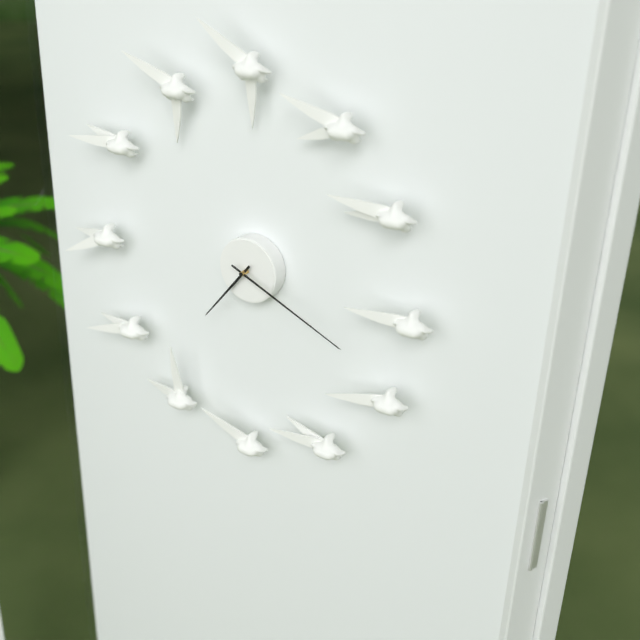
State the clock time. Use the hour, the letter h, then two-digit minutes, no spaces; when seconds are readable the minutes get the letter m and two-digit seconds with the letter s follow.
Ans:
7h19
